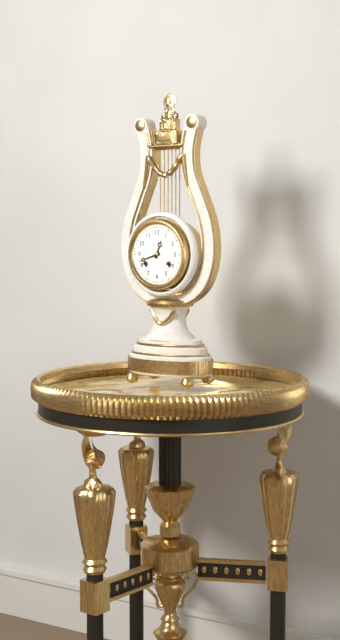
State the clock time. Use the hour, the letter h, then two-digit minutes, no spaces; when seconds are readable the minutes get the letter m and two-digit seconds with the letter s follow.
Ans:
12h42
